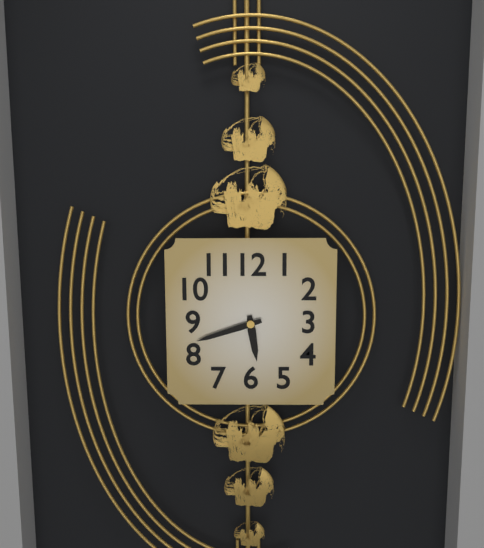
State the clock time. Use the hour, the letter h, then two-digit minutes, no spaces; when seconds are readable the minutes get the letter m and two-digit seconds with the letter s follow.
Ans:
5h42
